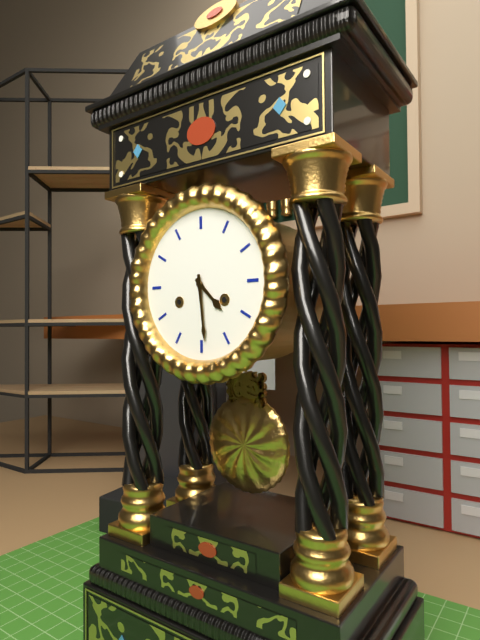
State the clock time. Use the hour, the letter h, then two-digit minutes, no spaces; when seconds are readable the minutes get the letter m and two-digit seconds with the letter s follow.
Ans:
4h29
